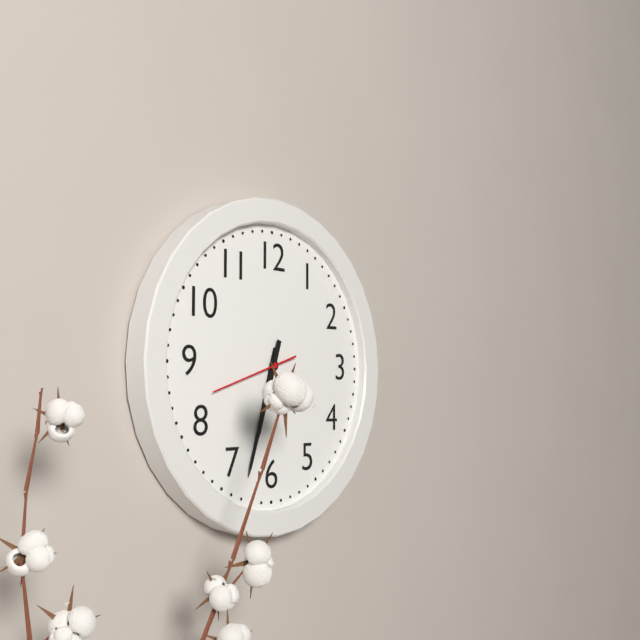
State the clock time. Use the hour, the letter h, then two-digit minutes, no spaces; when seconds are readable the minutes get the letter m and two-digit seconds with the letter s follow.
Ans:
6h33m42s
